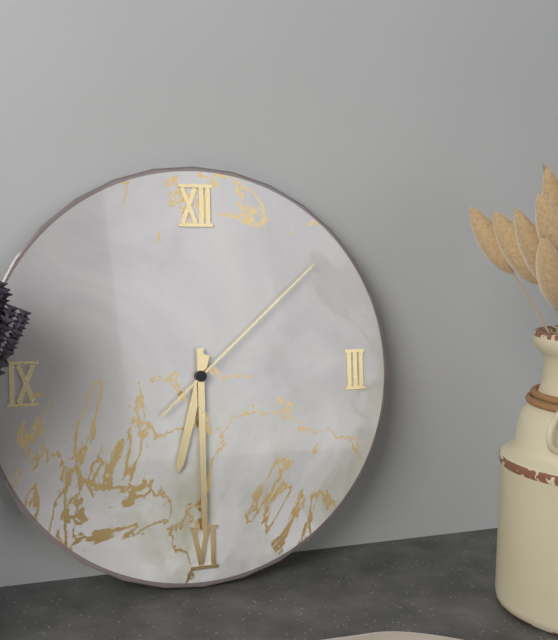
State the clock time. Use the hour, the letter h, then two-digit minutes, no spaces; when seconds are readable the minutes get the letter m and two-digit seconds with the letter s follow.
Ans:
6h30m08s
